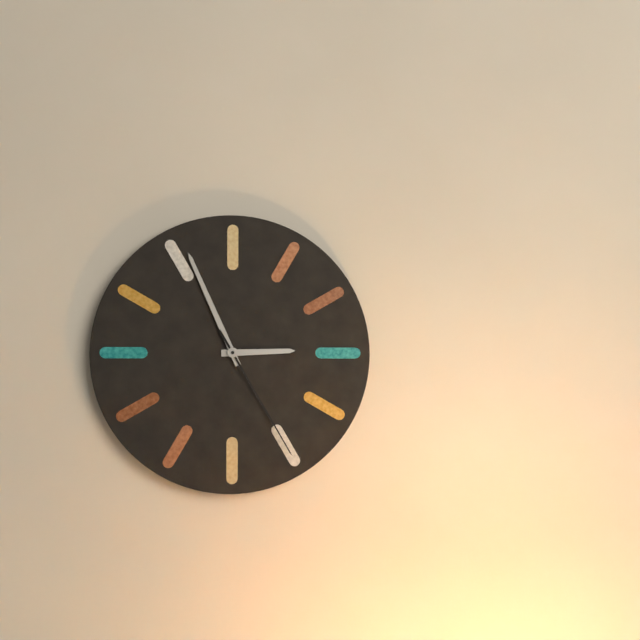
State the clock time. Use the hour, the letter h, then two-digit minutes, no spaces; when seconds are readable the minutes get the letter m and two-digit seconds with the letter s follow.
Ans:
2h56m25s
